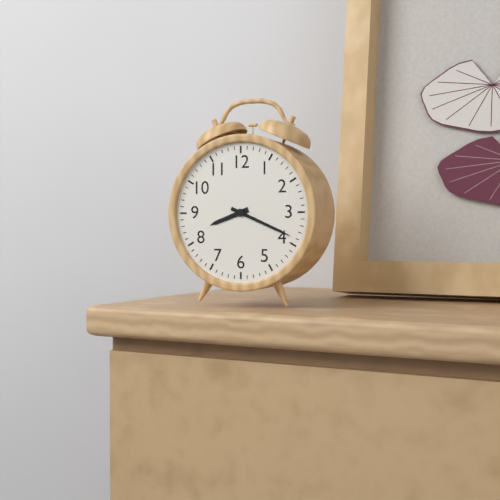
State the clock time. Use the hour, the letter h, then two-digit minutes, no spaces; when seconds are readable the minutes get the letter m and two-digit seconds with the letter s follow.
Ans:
8h19
